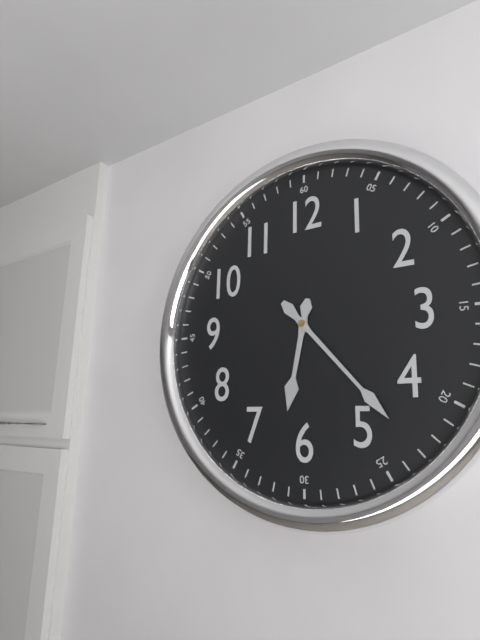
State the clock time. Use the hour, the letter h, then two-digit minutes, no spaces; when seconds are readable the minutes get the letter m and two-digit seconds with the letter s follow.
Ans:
6h23
